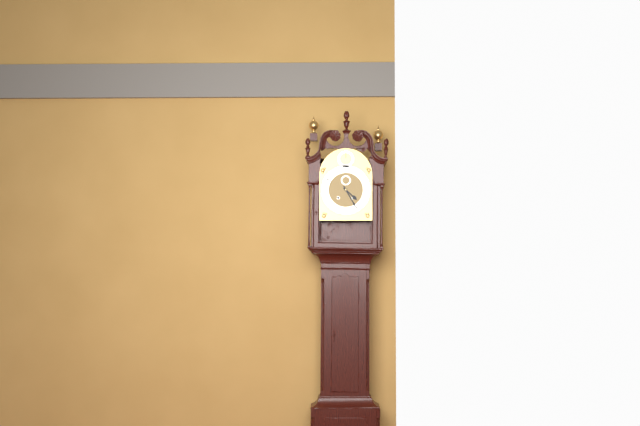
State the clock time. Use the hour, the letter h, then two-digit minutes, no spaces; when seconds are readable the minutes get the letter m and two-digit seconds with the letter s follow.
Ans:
4h25
